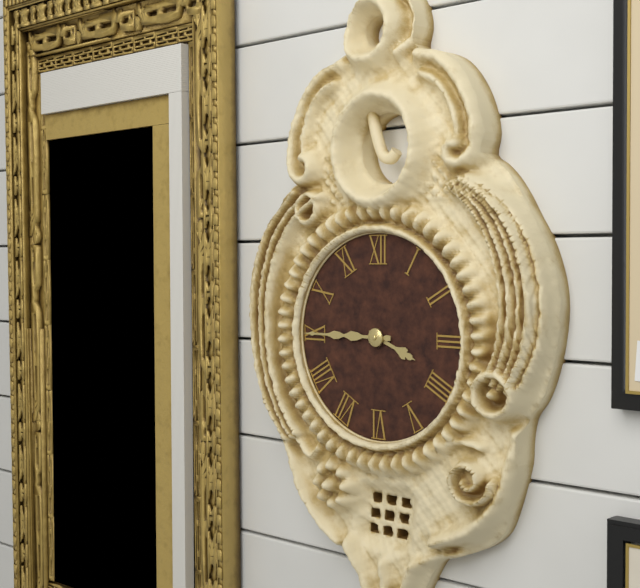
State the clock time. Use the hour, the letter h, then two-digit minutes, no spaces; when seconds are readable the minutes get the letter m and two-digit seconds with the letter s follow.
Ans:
3h45
